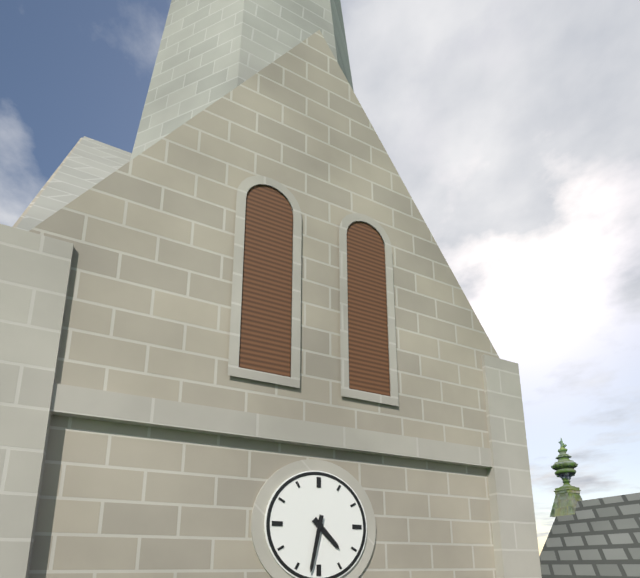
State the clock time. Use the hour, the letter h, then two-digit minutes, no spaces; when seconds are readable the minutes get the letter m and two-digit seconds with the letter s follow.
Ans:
4h32
